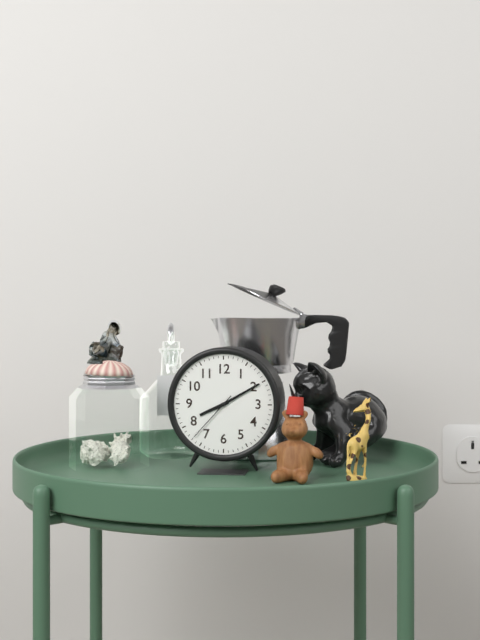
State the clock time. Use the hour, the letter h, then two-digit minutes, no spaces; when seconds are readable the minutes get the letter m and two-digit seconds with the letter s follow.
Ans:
8h10m37s
